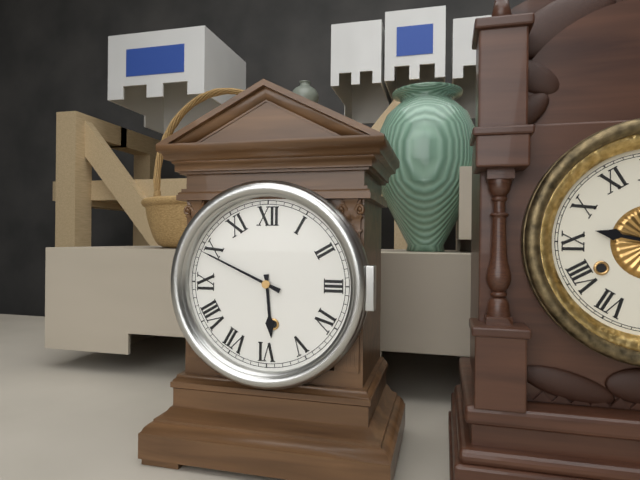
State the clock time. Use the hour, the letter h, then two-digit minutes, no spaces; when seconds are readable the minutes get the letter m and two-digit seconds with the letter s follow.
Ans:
5h49
